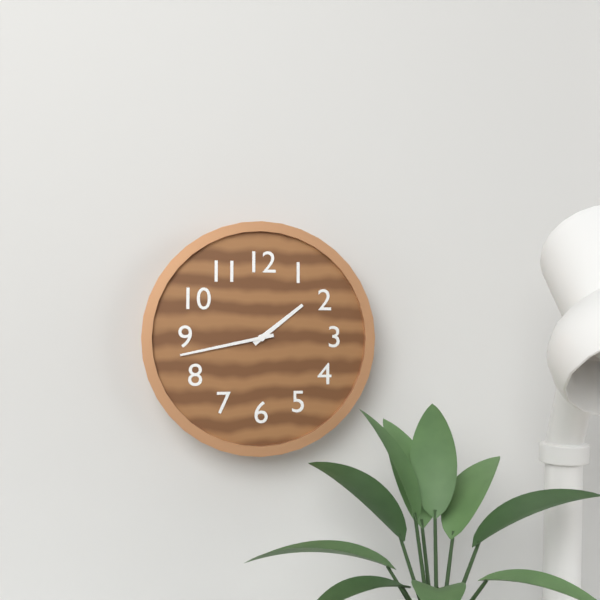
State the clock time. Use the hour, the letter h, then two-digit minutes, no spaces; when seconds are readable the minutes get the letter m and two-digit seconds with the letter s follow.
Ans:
1h43
